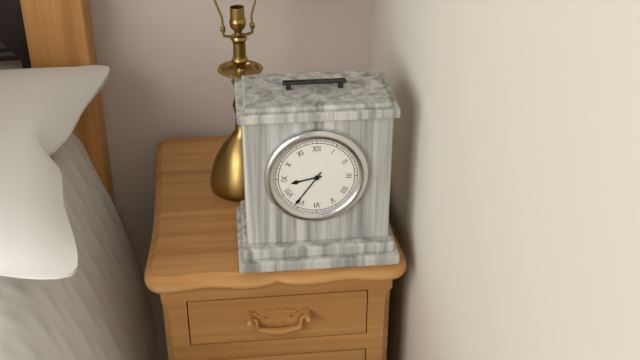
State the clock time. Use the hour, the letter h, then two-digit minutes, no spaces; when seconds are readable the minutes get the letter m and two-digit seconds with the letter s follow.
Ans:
8h36
